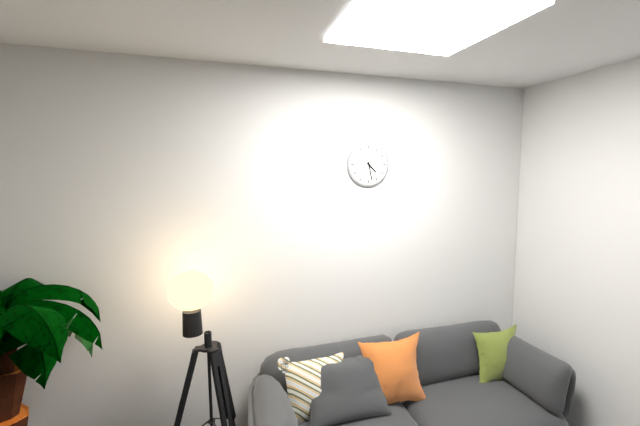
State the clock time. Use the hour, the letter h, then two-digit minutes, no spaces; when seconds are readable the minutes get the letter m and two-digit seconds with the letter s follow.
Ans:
4h28
